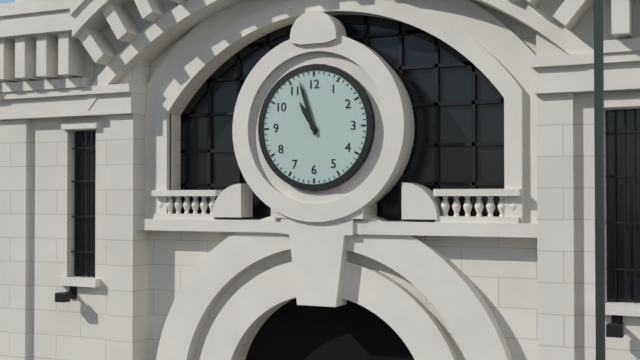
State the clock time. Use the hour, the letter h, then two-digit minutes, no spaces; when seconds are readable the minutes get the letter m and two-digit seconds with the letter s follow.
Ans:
10h57
